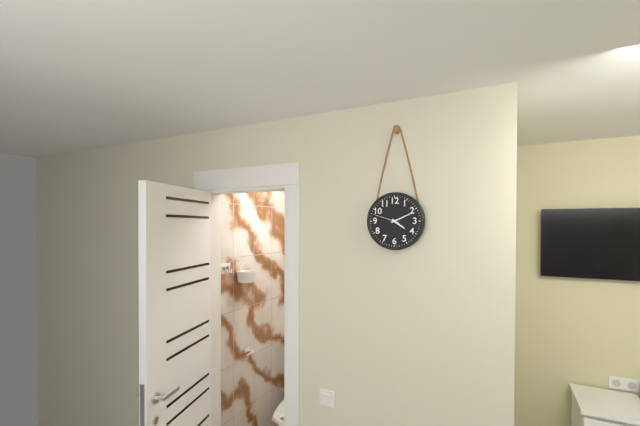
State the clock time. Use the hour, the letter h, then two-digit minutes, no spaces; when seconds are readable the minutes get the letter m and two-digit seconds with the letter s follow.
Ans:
4h11
